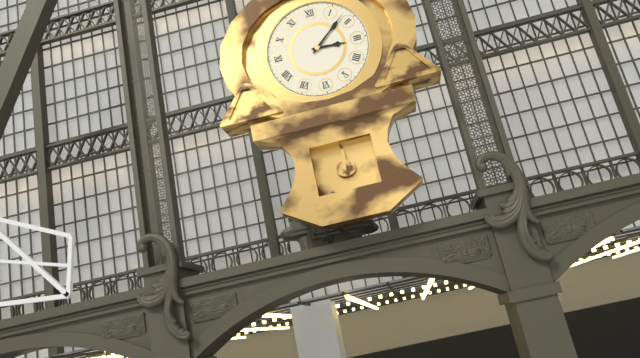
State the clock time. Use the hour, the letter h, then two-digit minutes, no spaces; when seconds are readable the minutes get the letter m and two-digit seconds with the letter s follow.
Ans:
3h08
